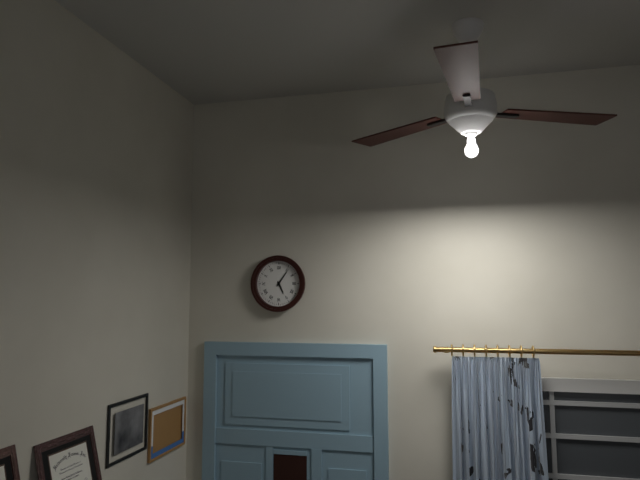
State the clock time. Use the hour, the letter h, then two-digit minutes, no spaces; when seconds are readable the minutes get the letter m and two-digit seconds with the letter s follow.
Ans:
5h06
